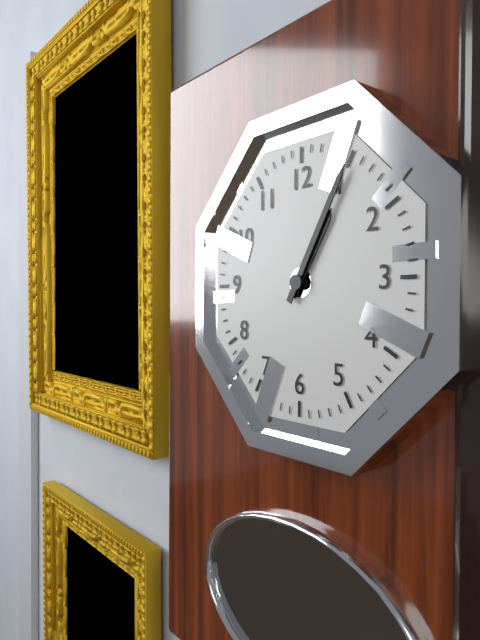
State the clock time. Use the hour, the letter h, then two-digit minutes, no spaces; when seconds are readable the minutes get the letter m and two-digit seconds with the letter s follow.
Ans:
1h05
